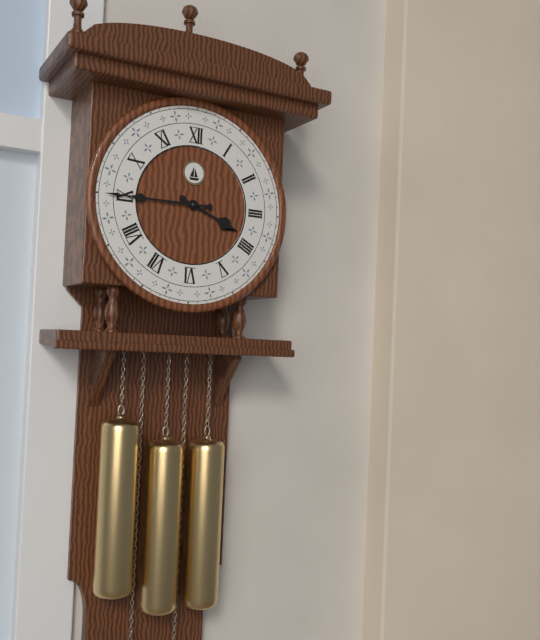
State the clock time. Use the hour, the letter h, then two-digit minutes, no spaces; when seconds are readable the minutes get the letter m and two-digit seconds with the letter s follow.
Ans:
3h45
